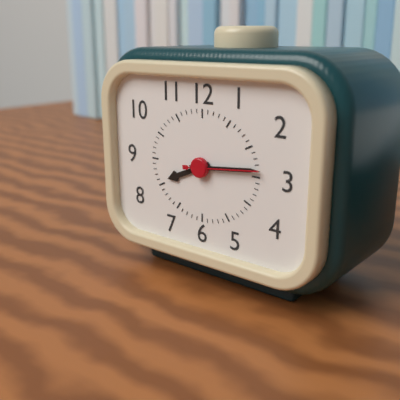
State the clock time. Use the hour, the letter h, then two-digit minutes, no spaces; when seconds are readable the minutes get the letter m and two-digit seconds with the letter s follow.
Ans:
8h14m14s
